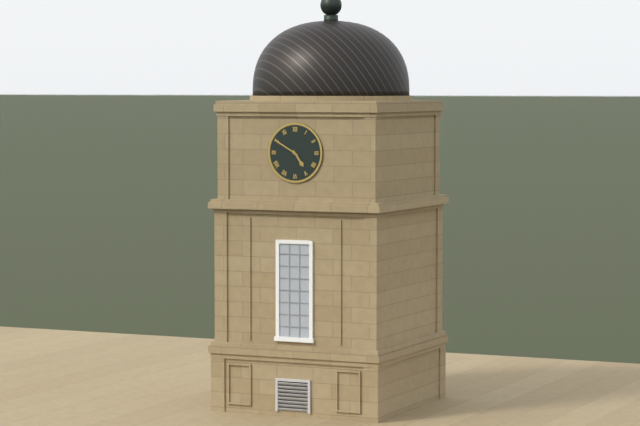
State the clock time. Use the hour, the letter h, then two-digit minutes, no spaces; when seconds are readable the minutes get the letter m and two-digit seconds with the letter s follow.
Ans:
4h50
